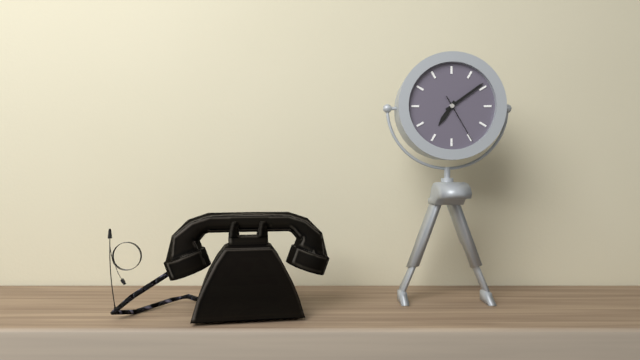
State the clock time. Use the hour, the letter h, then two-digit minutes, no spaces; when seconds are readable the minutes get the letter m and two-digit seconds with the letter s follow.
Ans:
7h09m25s
